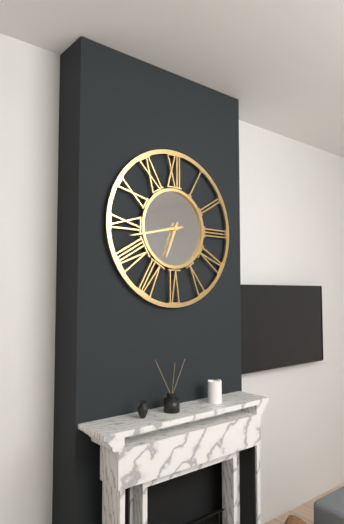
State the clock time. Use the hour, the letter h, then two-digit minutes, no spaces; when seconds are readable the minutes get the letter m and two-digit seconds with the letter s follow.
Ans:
6h43
